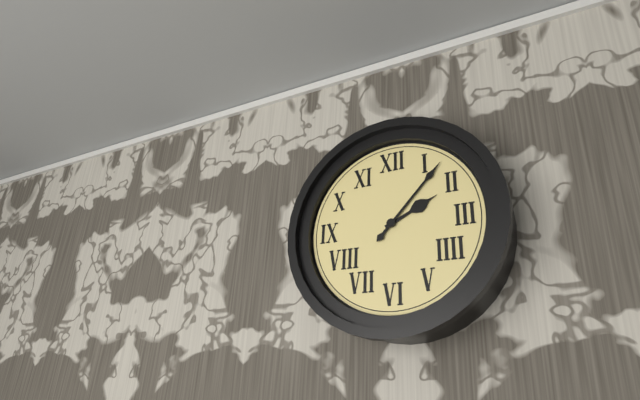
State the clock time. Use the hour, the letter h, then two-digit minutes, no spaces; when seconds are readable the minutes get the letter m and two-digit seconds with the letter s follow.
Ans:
2h07
